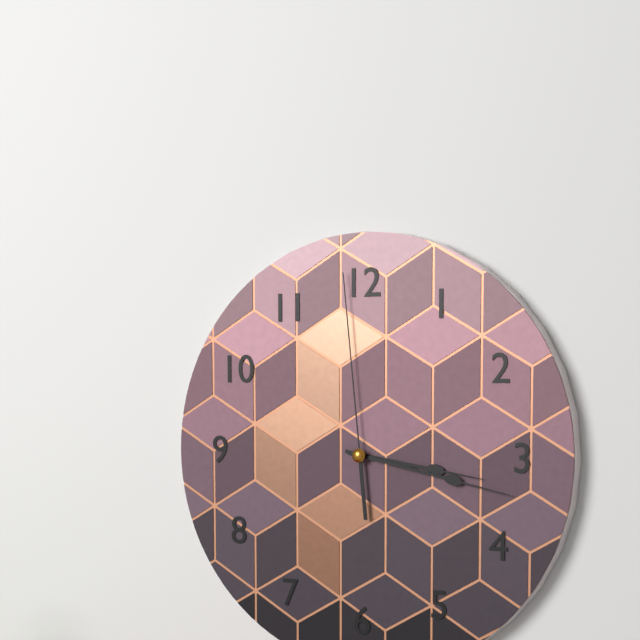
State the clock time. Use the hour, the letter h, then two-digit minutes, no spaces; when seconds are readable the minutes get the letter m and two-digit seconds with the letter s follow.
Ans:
3h17m59s
